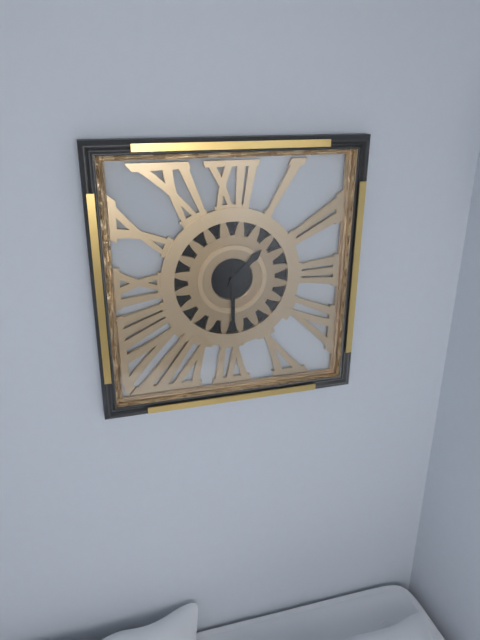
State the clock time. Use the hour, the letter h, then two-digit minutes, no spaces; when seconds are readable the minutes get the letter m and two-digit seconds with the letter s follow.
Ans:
1h30
